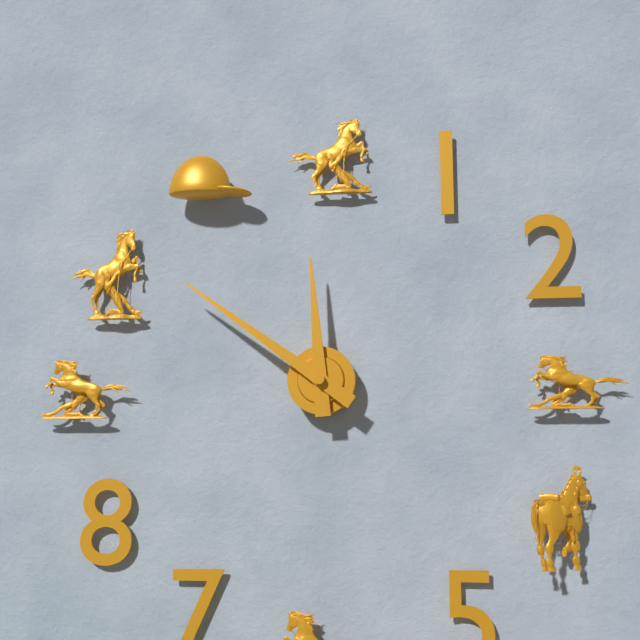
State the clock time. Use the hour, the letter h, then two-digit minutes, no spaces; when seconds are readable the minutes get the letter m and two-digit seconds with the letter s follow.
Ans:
11h51
